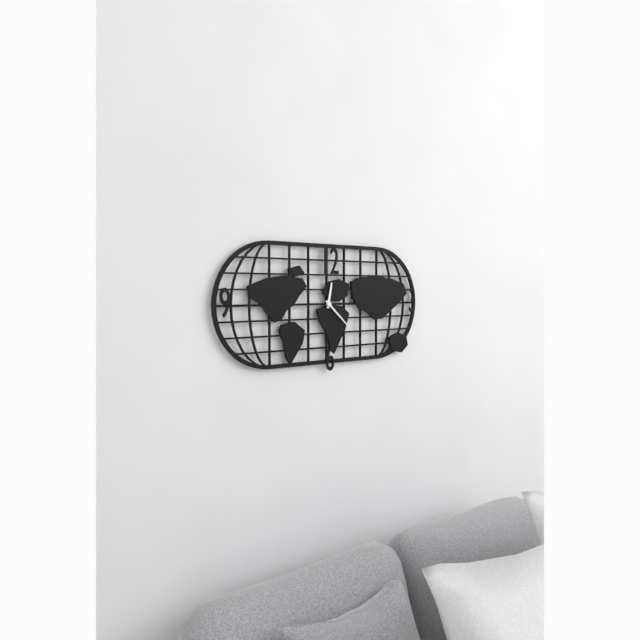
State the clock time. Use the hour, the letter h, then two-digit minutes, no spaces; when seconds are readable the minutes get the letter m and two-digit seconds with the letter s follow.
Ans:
12h22
